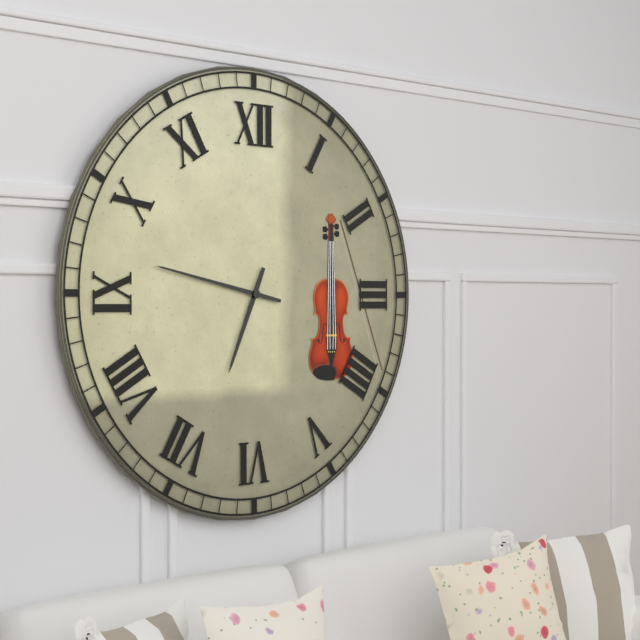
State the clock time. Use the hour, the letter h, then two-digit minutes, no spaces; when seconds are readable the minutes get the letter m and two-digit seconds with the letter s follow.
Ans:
6h47
